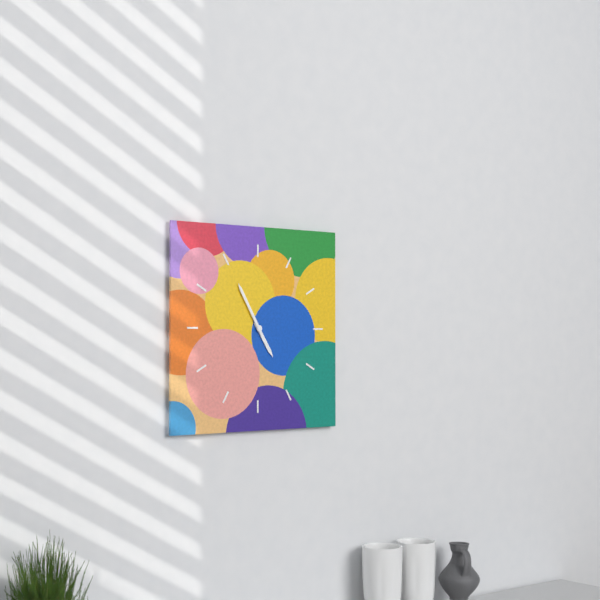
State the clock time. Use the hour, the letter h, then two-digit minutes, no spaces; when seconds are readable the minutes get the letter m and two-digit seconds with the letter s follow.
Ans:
4h55
